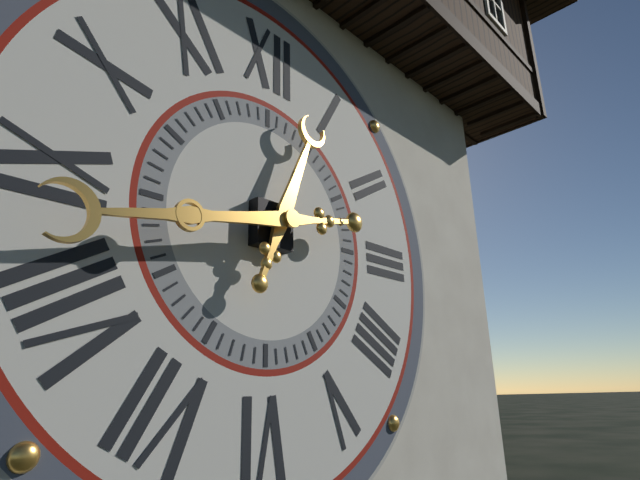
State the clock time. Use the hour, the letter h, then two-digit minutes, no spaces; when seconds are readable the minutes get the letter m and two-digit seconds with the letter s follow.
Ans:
12h43
